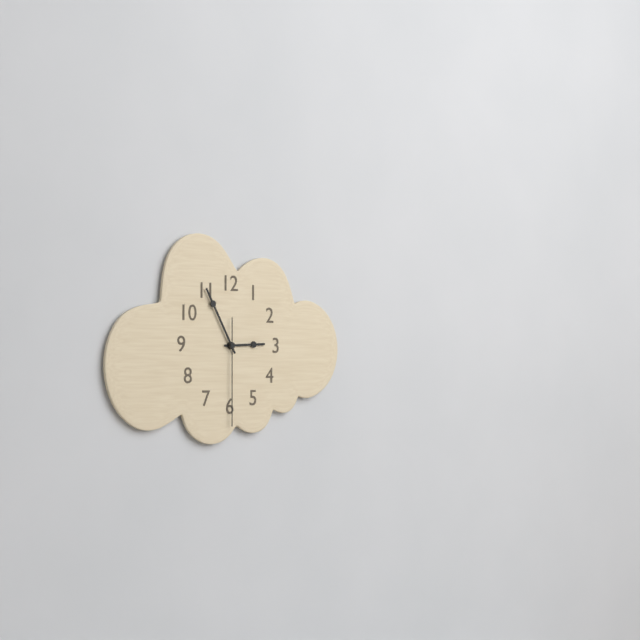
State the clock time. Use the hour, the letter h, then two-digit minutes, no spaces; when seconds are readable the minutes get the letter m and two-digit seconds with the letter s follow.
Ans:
2h55m30s
